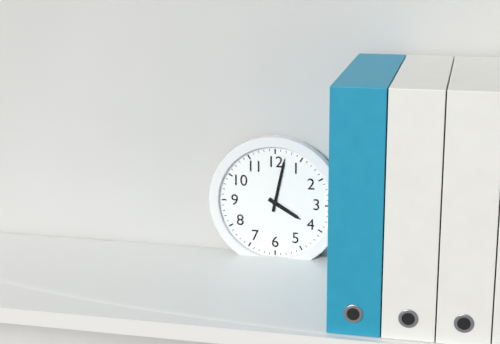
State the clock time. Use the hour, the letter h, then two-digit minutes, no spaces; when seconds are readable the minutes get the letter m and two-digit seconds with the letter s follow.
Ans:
4h02
